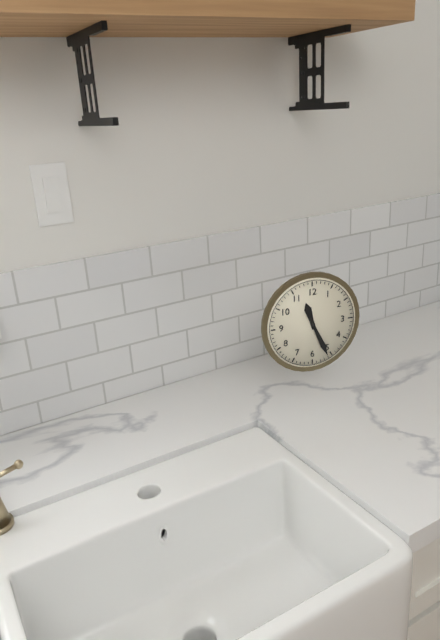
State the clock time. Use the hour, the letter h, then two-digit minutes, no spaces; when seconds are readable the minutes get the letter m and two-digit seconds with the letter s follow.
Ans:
11h26
